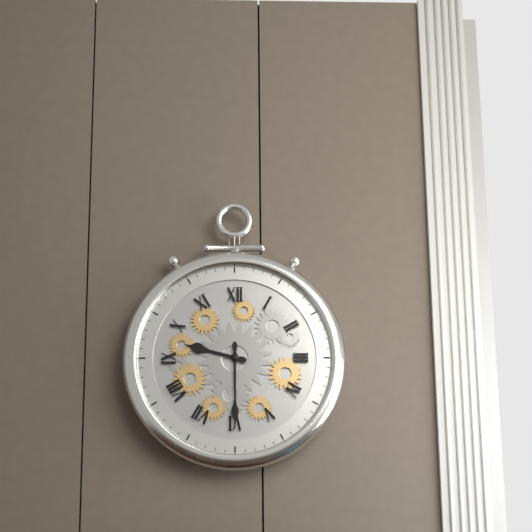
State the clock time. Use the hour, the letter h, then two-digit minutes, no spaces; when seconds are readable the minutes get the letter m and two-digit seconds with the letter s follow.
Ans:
9h30
